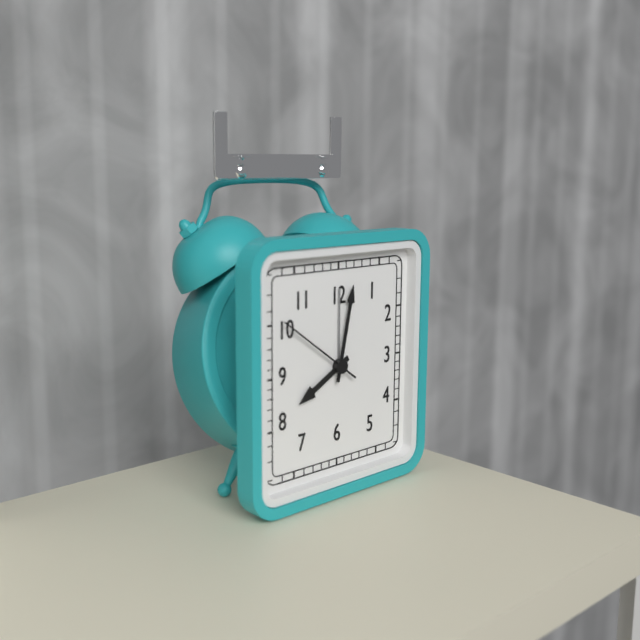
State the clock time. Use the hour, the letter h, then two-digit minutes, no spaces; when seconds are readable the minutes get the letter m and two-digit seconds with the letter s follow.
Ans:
8h02
